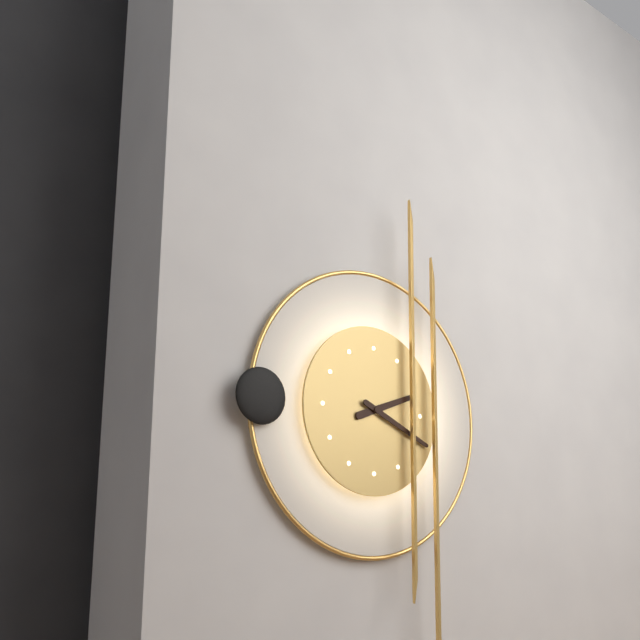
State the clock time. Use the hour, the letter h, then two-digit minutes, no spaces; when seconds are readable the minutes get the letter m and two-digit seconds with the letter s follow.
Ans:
2h19
